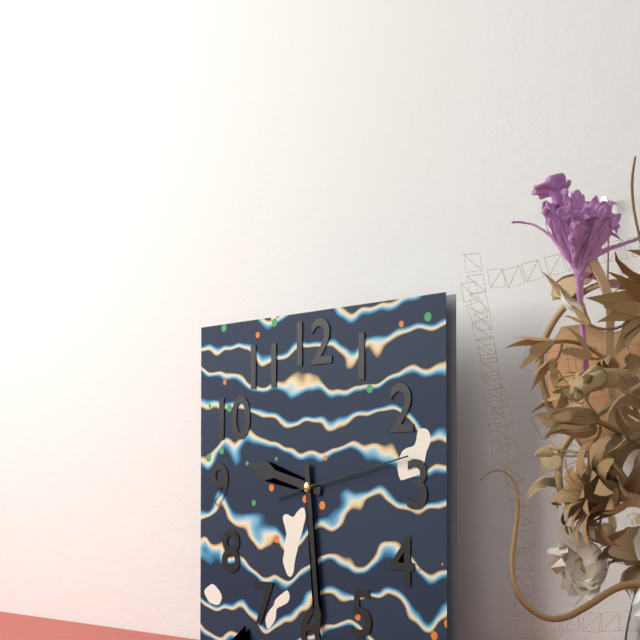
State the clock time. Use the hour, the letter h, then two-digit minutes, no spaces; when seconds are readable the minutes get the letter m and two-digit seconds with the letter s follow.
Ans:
9h29m13s
